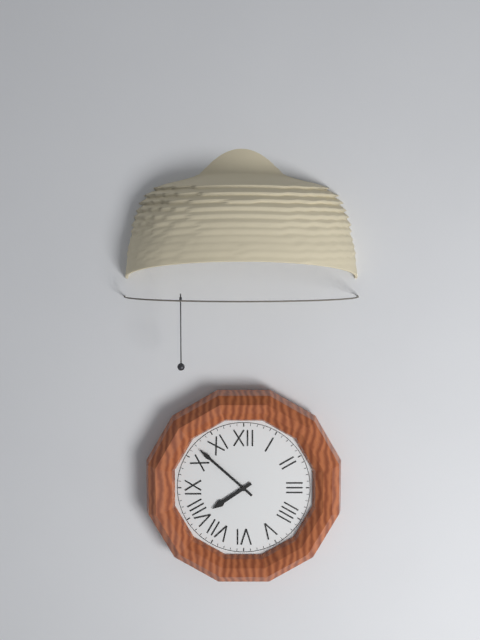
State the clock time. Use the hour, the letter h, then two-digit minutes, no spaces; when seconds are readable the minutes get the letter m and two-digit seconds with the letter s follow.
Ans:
7h52
